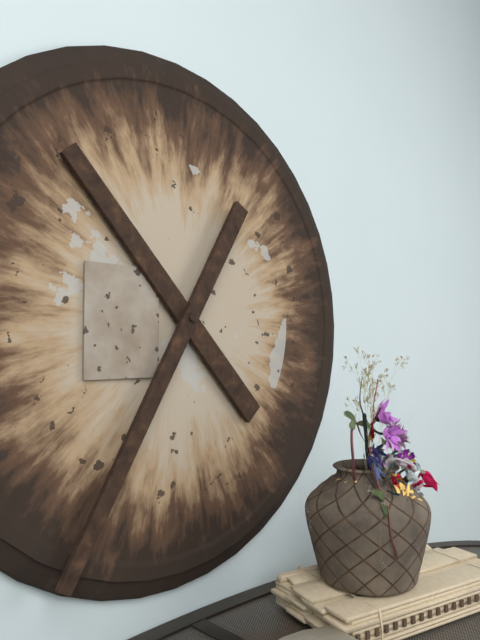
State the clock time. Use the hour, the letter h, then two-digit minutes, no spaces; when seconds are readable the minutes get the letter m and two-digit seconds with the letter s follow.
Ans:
10h35
